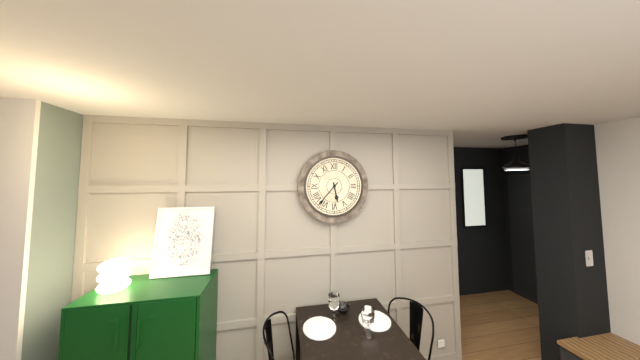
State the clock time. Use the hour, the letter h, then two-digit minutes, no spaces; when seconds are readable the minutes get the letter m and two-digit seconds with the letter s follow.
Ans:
5h37
